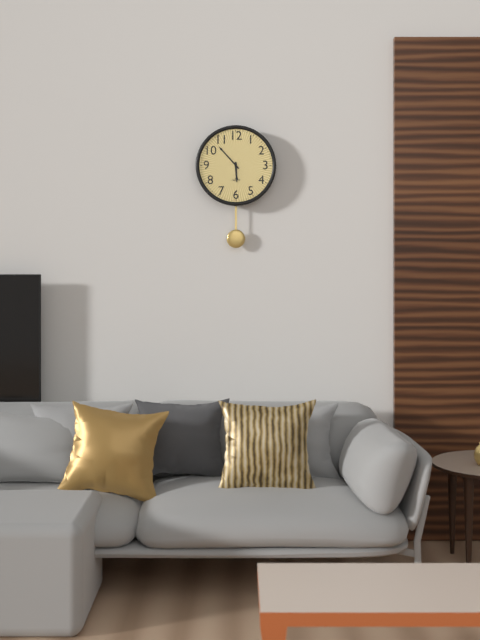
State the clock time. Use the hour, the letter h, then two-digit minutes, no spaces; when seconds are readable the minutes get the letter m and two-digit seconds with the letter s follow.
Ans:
5h53
